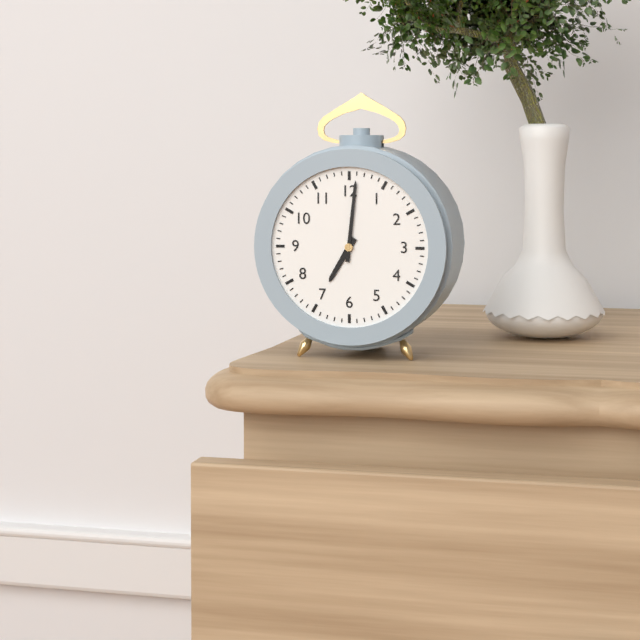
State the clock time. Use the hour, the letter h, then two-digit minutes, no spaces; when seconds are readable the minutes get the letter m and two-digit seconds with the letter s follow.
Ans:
7h01
